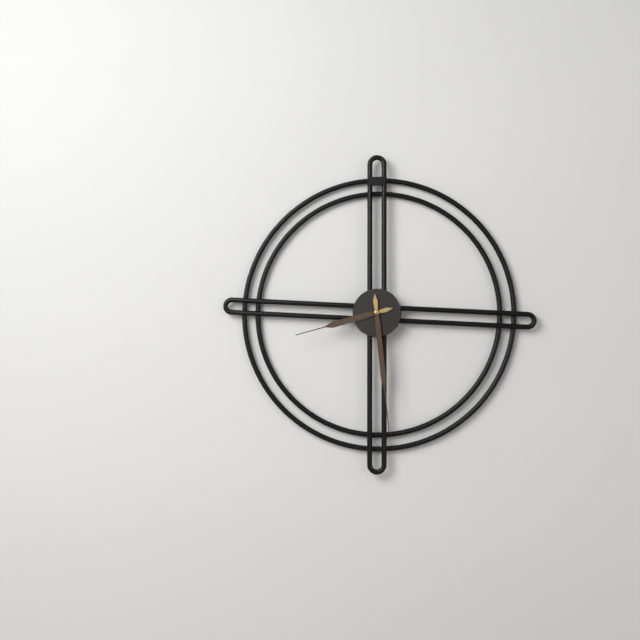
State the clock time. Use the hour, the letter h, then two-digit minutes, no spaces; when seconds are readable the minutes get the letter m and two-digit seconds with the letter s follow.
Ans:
8h29
